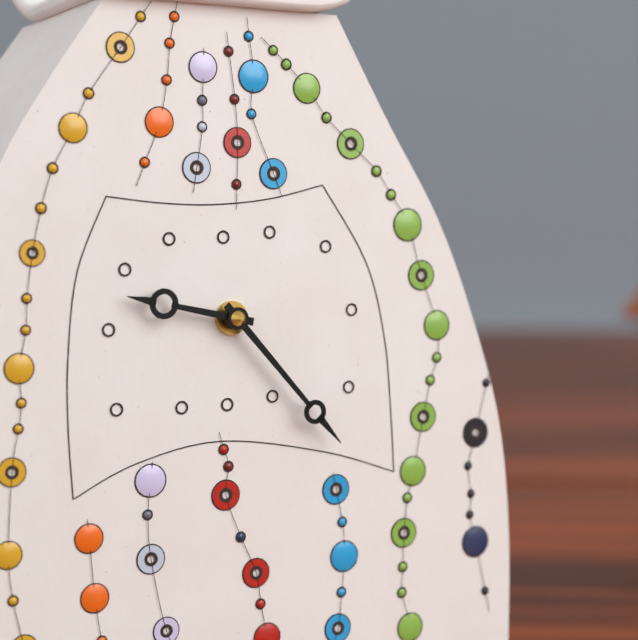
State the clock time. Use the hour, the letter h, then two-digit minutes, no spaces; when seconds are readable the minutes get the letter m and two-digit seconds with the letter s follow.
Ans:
9h23
